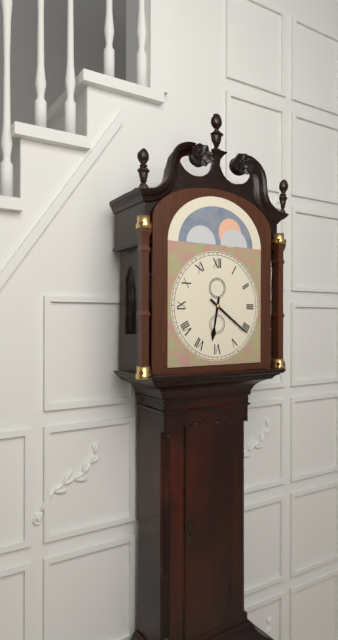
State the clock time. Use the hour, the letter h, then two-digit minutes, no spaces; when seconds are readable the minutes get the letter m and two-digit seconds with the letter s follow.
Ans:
6h21
